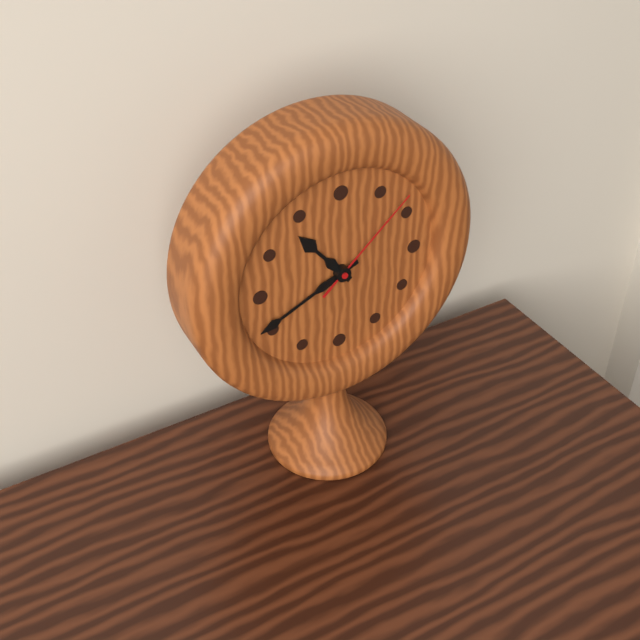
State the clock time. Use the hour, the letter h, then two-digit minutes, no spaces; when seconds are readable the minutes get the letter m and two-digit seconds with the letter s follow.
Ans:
10h41m08s
